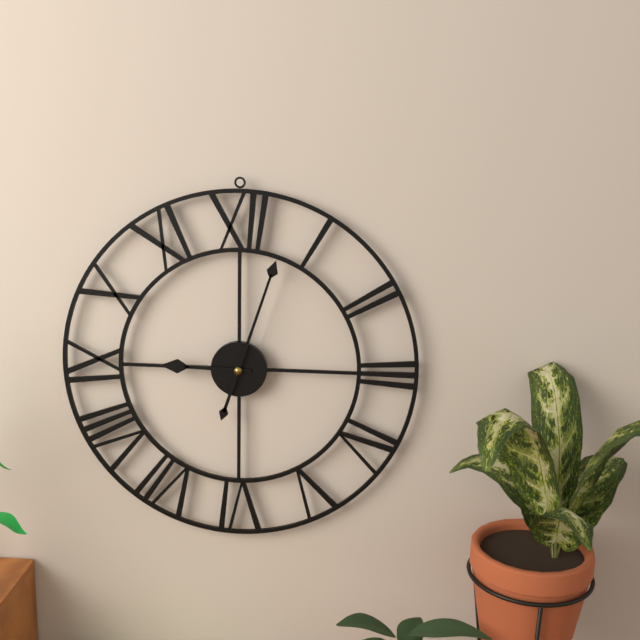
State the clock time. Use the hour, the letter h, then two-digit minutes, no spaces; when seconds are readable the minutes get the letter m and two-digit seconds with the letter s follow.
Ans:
9h03
